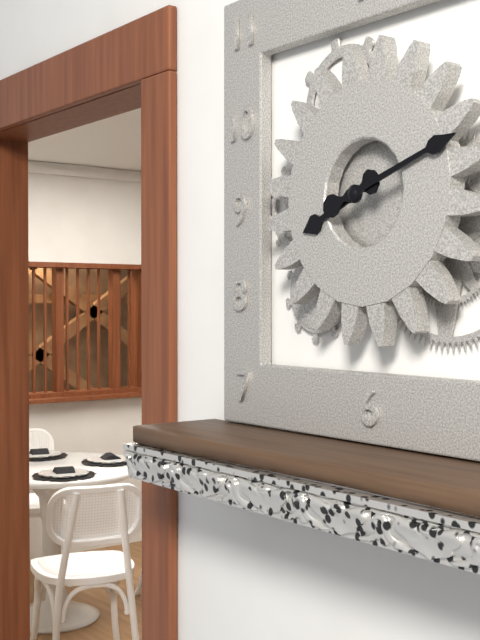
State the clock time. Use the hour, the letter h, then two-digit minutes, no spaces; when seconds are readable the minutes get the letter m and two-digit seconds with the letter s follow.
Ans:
8h12
